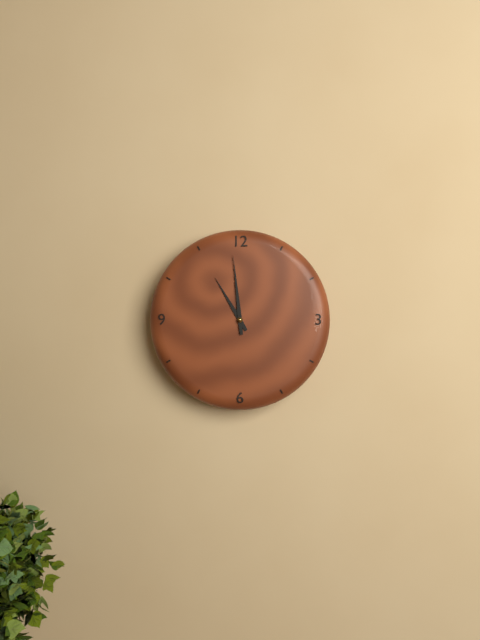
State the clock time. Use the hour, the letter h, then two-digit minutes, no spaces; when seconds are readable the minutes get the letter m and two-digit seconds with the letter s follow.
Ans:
10h59
